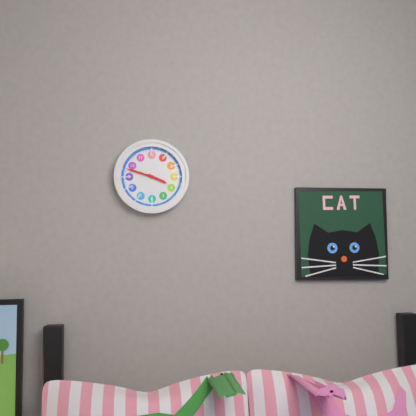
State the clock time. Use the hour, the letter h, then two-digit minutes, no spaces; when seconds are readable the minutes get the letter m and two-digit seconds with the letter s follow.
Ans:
3h48
